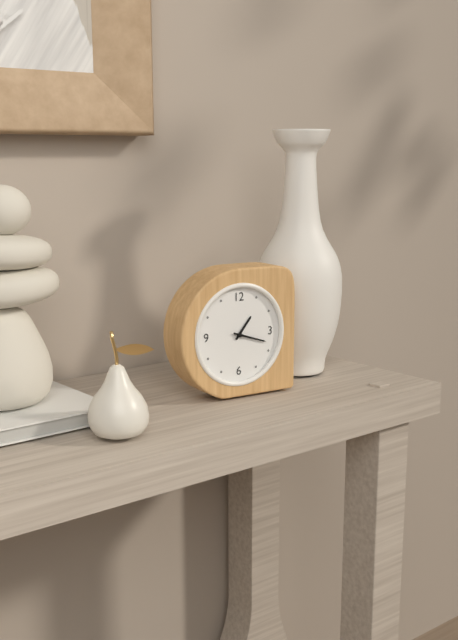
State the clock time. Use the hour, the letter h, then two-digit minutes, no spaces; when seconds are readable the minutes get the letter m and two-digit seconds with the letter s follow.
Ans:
1h18
